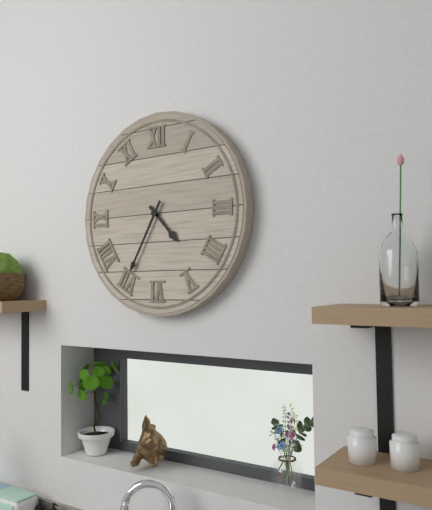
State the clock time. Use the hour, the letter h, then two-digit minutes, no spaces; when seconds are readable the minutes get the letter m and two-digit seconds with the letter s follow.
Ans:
4h35
